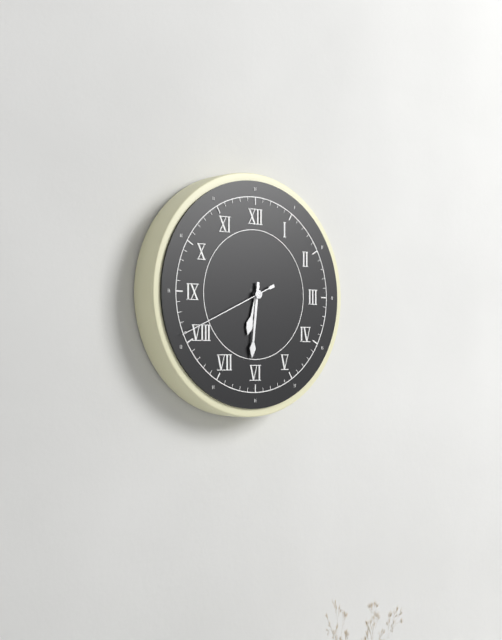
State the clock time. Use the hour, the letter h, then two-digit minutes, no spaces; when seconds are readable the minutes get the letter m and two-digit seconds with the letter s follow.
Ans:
6h31m41s
